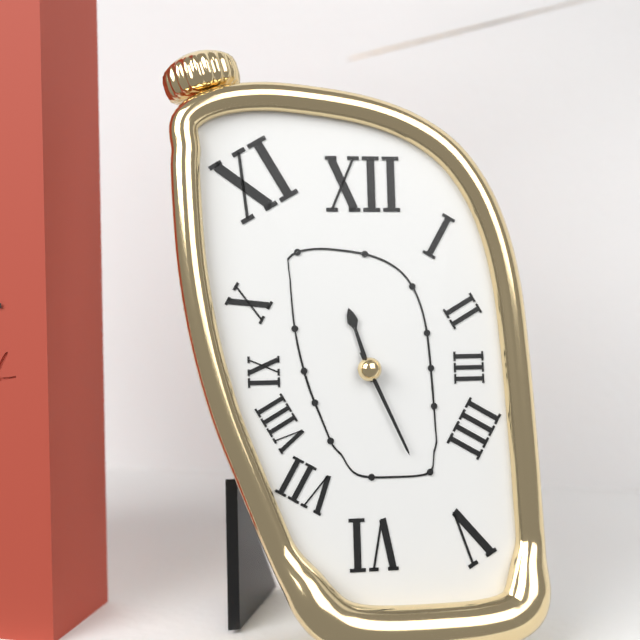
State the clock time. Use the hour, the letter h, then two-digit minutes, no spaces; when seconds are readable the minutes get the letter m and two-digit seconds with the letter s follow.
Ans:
11h26
